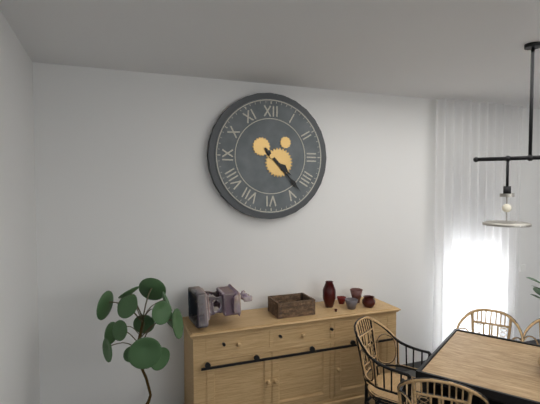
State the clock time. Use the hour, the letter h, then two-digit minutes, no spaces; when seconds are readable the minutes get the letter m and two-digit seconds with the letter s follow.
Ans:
4h23
